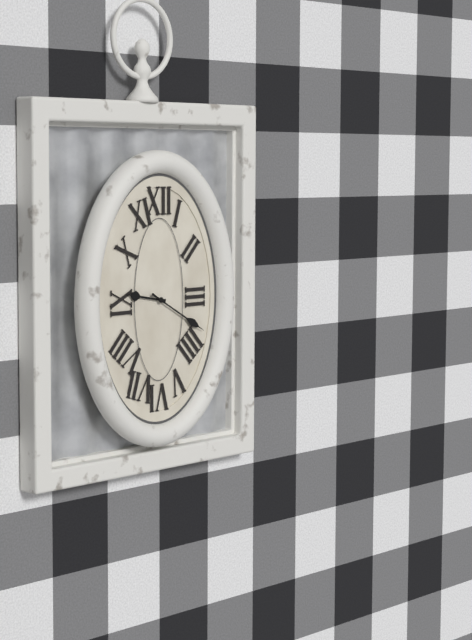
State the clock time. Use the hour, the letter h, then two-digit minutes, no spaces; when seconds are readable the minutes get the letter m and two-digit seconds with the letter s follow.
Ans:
9h20
